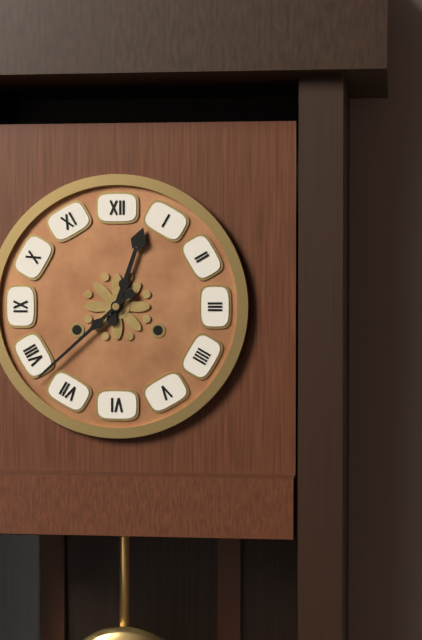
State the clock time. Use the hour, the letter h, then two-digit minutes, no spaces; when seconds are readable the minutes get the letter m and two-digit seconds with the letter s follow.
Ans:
12h38
